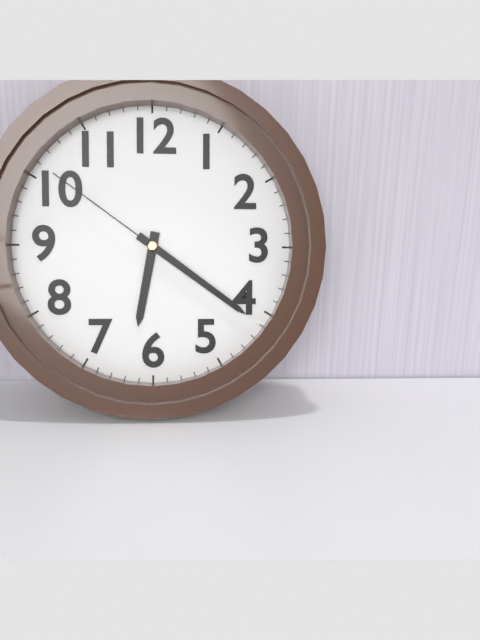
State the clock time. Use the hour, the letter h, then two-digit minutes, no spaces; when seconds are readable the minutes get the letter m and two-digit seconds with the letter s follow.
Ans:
6h21m51s
